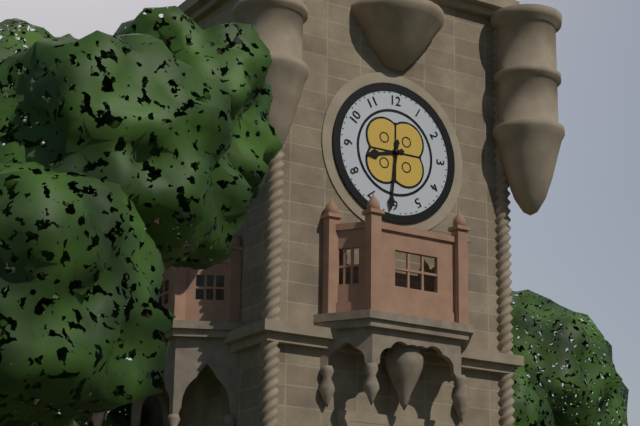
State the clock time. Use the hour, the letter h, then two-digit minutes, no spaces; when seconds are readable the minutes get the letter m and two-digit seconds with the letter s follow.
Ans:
8h31
